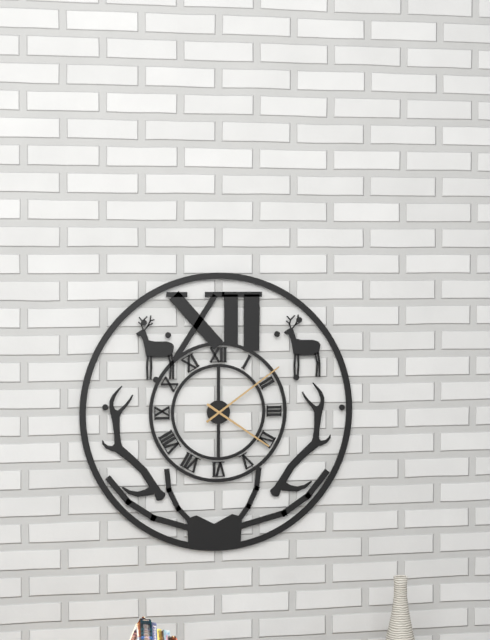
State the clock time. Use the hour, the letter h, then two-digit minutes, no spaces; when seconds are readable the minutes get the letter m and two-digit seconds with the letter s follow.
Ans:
4h09
